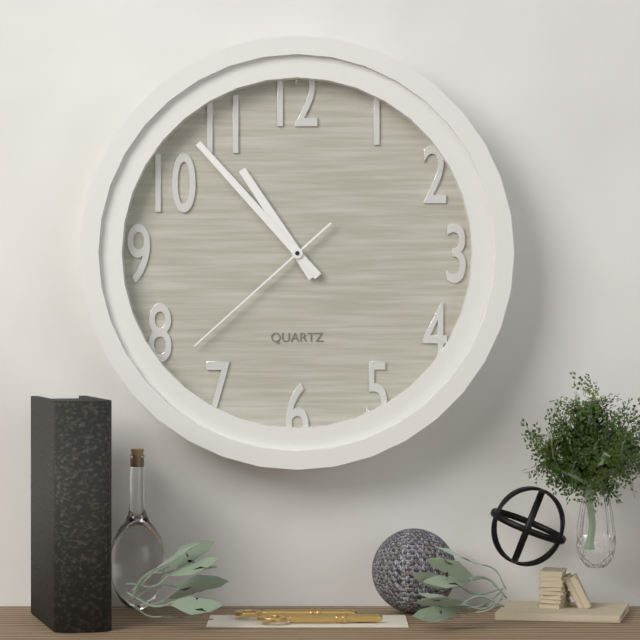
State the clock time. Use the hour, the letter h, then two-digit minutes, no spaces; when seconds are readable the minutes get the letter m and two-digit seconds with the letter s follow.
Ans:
10h53m38s
